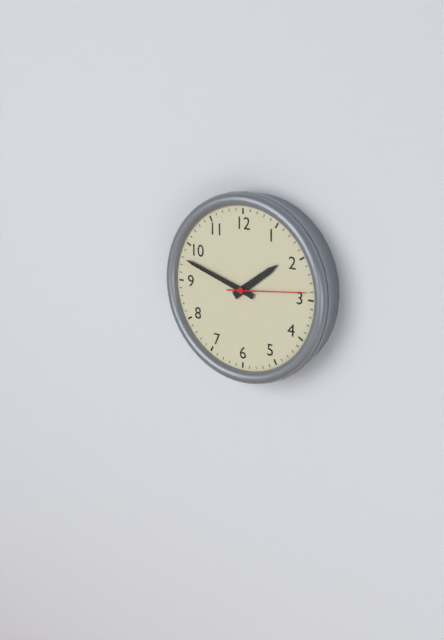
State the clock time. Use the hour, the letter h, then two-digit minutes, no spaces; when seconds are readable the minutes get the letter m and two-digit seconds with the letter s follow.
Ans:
1h48m14s
